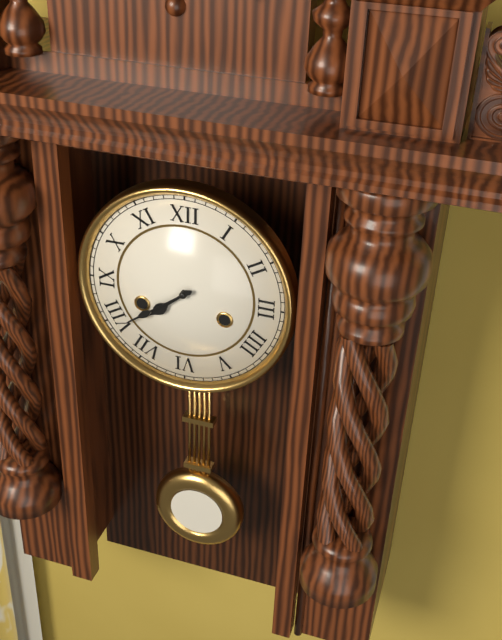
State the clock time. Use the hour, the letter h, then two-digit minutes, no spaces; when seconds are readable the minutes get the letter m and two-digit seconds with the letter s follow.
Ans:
7h39
